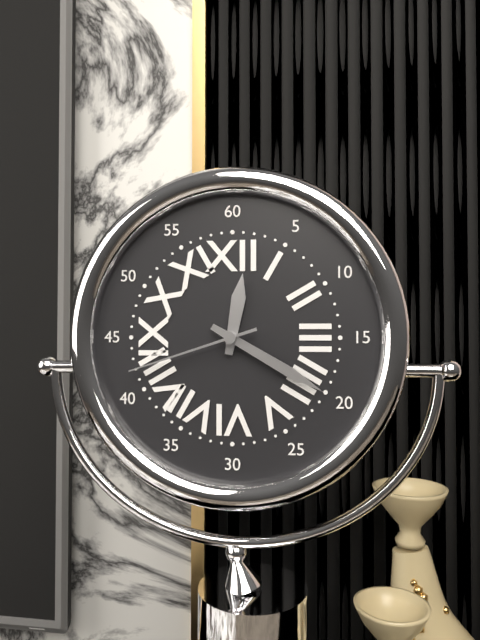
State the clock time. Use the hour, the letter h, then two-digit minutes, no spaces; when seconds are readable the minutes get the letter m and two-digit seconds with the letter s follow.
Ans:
12h20m42s
